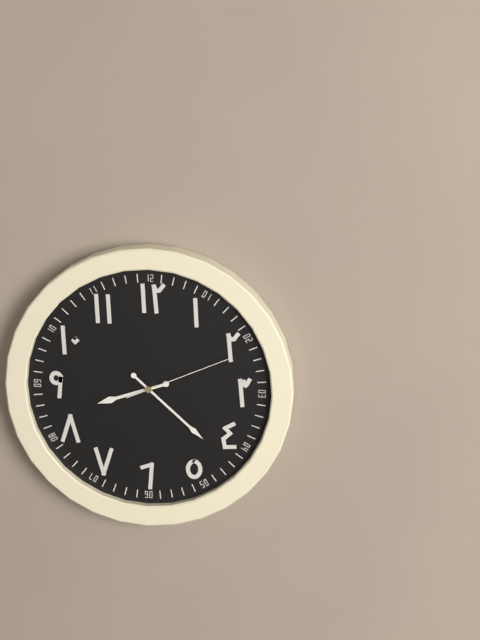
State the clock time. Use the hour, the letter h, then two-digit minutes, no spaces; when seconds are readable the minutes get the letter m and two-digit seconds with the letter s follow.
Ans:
8h22m11s
